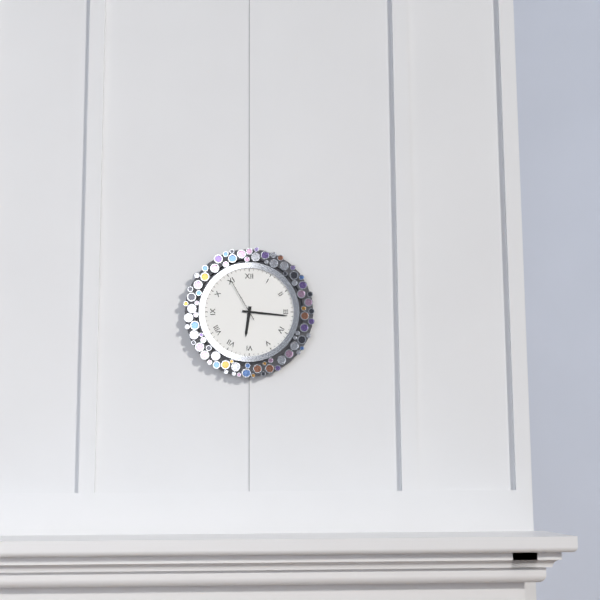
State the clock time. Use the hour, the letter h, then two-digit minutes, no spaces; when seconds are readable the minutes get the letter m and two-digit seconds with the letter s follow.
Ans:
6h16m55s
